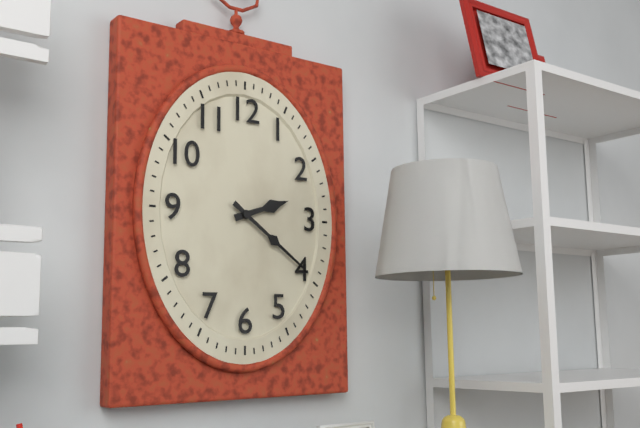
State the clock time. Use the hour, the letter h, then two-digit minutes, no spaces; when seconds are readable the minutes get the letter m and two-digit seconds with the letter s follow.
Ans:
2h21
